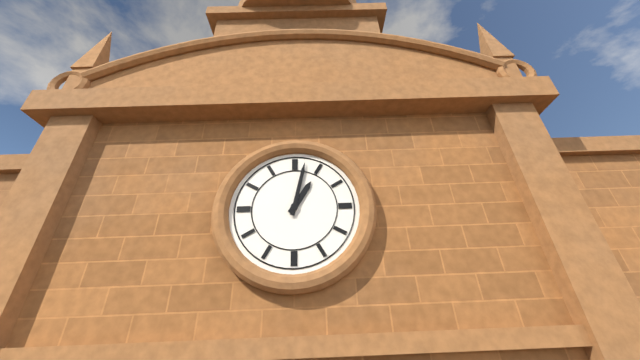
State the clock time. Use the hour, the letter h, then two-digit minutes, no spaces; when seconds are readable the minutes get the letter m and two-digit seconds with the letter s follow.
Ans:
1h02
